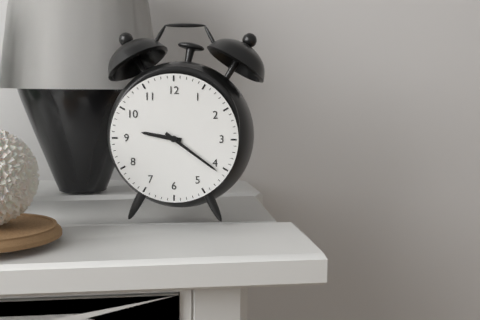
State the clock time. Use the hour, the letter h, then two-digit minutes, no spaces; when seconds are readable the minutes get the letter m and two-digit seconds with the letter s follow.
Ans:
9h21
